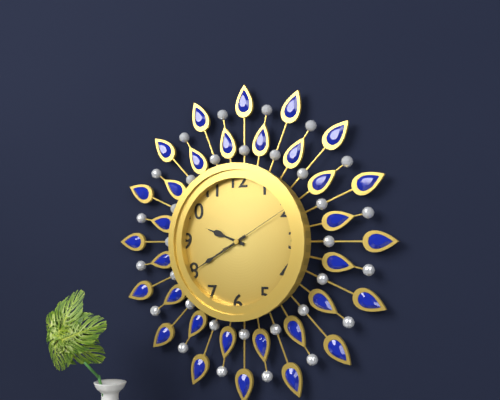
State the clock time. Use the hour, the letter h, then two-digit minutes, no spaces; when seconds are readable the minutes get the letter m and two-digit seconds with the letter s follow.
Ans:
9h40m10s
